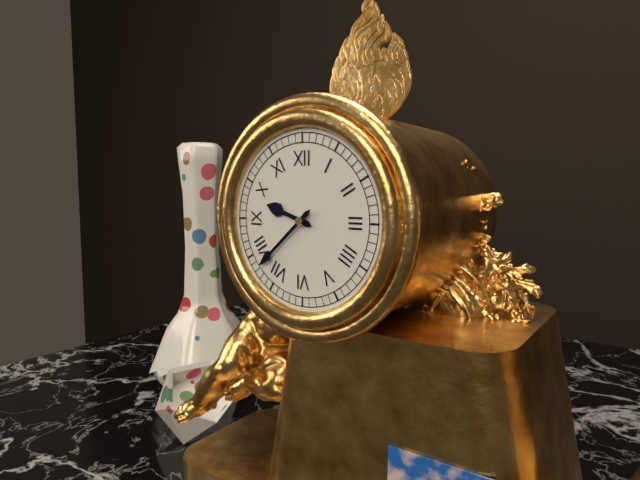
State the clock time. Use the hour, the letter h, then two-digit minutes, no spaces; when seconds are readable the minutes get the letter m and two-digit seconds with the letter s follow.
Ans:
9h38
